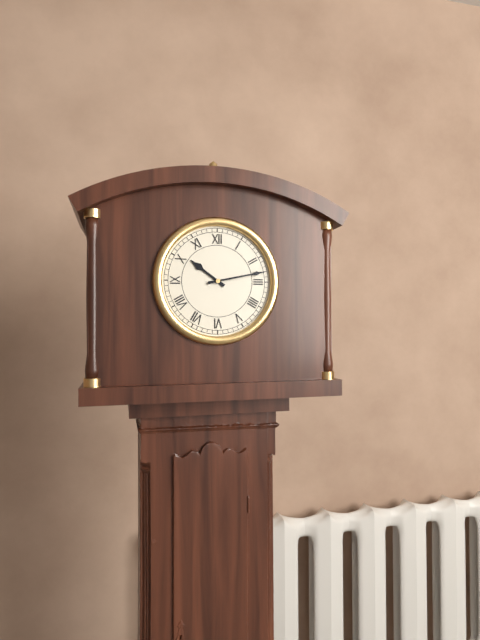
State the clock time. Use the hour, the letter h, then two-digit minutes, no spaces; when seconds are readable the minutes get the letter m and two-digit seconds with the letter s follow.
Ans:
10h13
